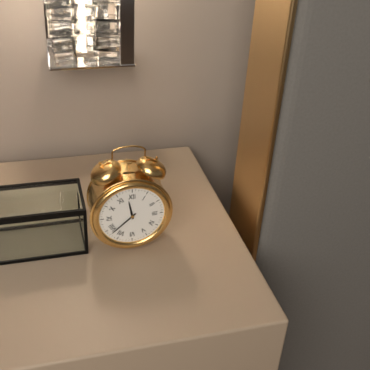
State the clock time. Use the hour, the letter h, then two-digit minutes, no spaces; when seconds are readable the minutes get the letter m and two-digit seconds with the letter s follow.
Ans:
11h38
